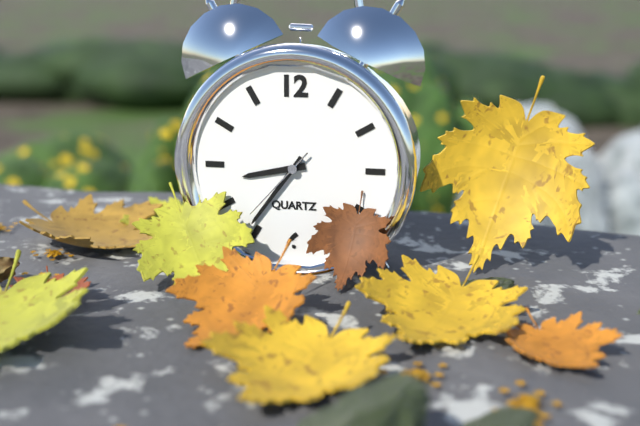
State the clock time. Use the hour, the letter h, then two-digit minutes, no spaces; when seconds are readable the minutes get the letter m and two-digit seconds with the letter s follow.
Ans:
8h36m37s
